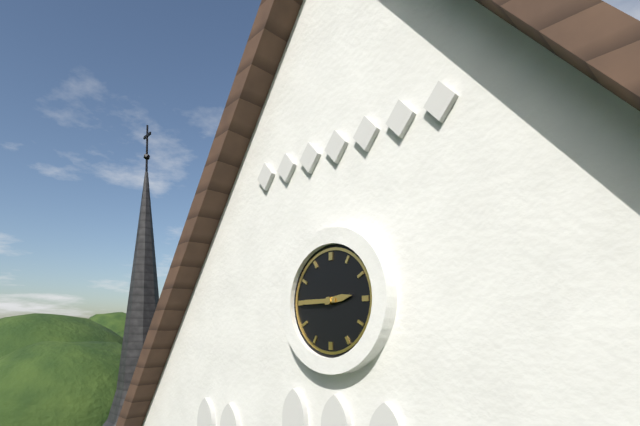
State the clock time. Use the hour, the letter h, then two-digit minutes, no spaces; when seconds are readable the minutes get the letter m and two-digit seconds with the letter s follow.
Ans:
2h45
